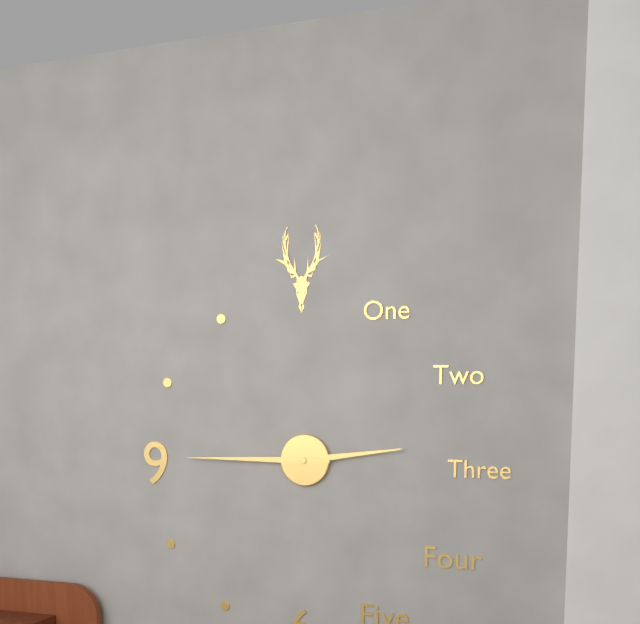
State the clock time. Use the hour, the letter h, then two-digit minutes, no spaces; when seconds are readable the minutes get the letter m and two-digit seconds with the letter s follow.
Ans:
2h45
